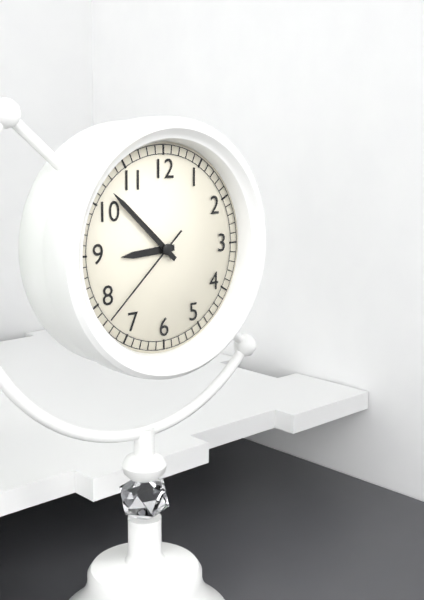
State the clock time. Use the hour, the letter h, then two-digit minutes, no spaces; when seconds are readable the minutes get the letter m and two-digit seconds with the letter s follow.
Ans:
8h52m38s
